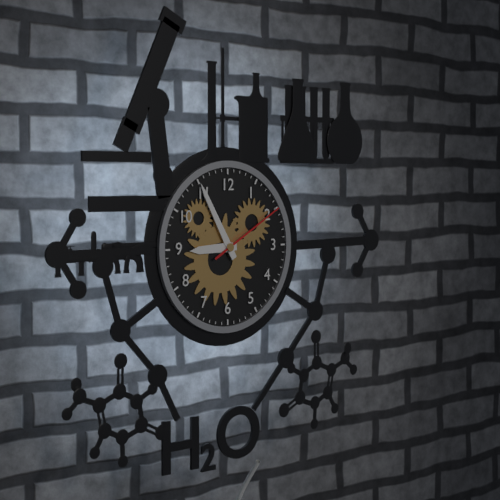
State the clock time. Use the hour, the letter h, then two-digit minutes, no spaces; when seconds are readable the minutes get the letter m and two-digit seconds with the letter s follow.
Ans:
8h55m10s
